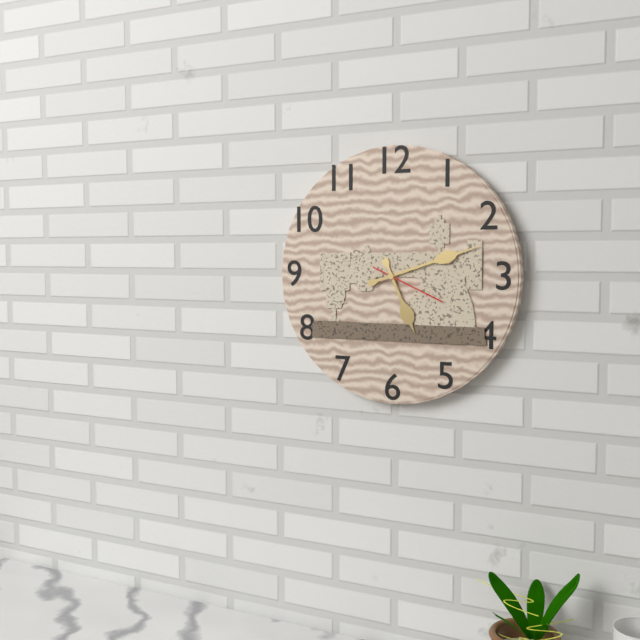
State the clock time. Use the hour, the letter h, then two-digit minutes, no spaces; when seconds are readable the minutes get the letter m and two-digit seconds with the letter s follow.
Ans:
5h12m19s
